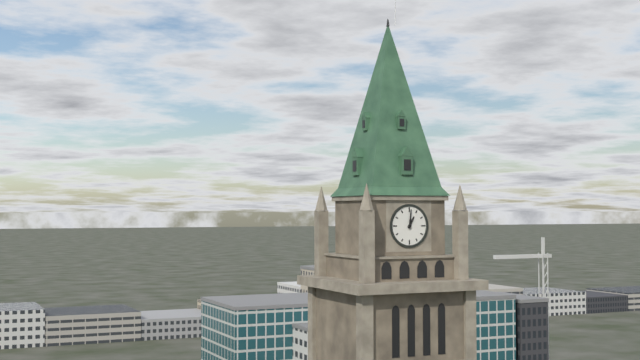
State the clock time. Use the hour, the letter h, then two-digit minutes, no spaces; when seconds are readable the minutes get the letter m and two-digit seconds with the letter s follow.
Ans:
1h01
